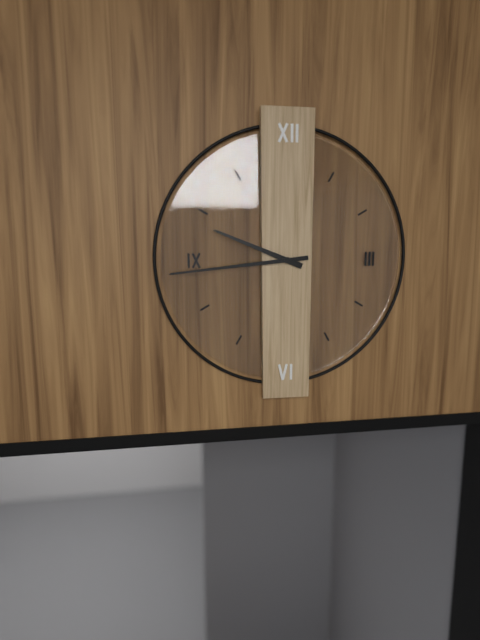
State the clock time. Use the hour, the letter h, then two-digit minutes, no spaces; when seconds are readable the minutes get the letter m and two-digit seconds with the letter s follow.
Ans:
9h44
